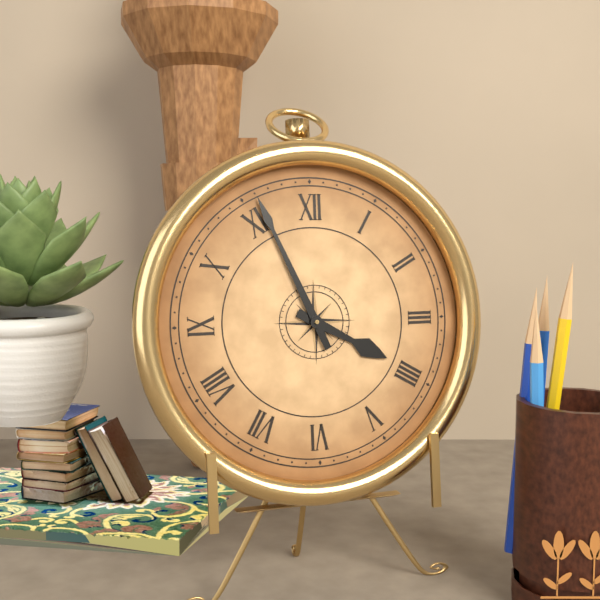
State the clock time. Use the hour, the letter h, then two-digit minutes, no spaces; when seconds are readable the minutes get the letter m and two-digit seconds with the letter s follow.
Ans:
3h56
